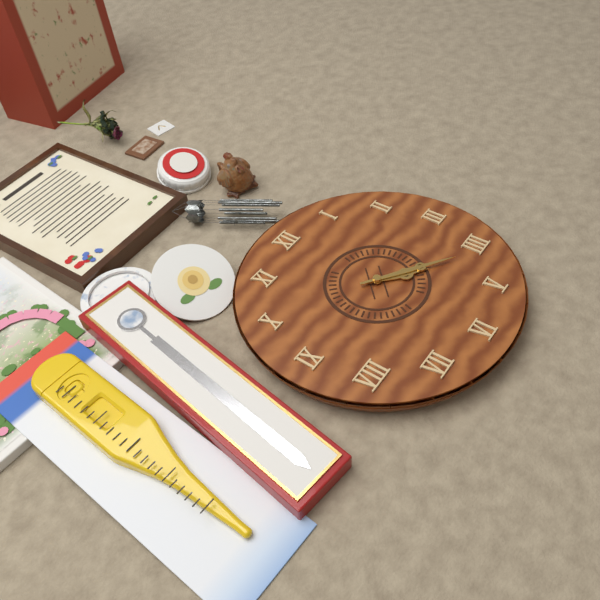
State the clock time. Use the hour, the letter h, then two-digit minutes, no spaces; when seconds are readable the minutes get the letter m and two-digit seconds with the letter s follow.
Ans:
4h21
